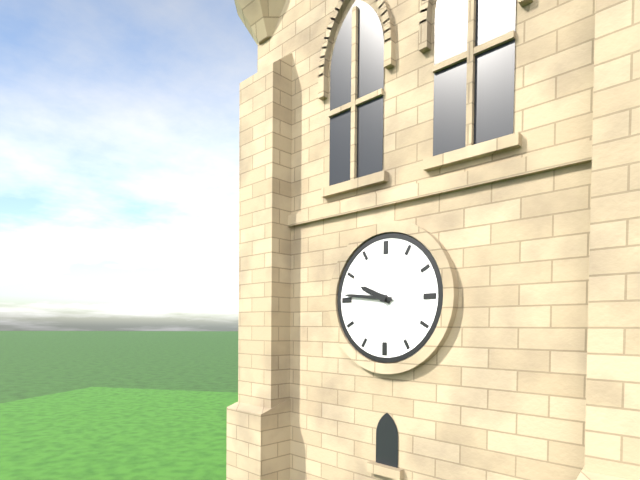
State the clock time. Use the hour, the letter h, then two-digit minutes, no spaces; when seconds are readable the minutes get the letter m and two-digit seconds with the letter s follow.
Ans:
9h46
